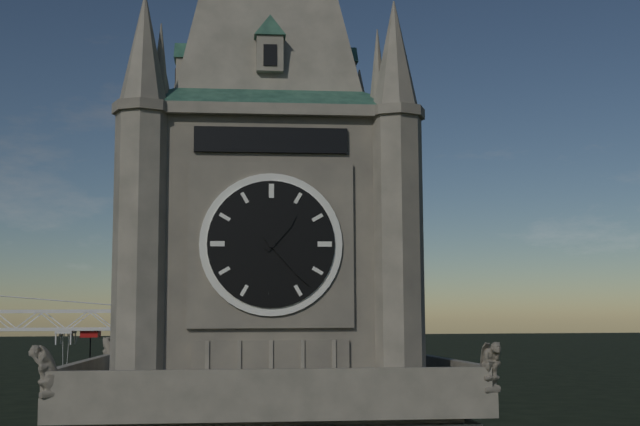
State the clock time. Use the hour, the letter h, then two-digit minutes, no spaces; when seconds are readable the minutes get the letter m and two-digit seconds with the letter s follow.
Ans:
1h23
